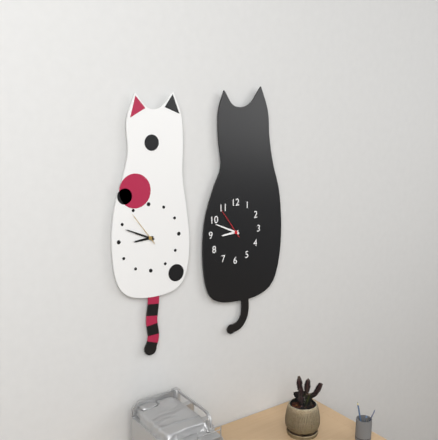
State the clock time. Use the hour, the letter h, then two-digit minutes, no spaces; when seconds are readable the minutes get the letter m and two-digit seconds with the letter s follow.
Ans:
8h49
